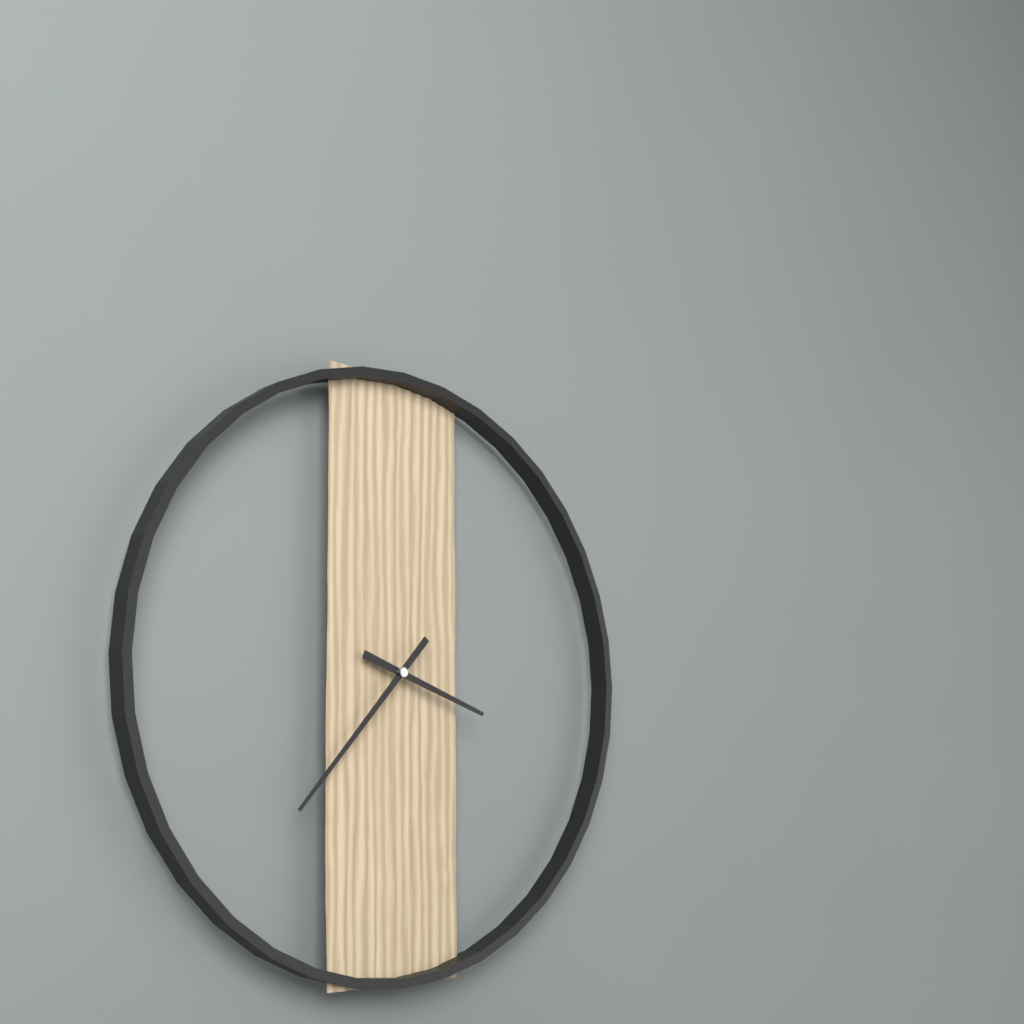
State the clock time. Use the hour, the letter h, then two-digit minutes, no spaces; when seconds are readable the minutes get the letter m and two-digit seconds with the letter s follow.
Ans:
3h37
